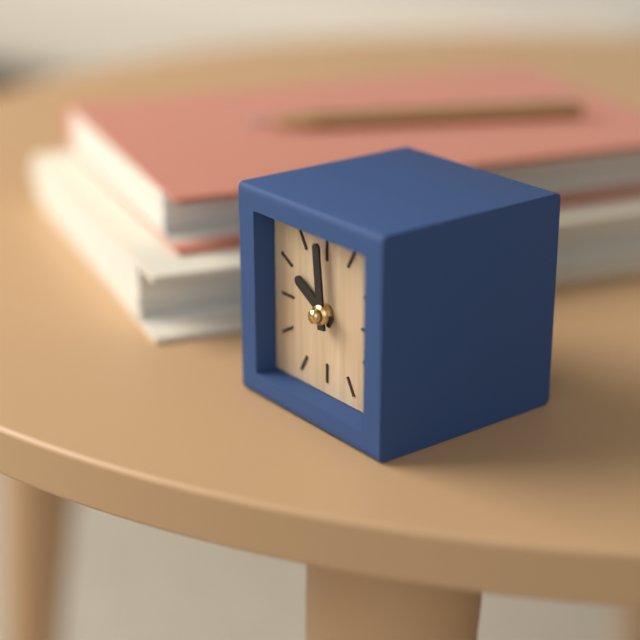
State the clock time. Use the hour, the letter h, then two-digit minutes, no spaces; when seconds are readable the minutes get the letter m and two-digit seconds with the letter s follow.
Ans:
9h59
